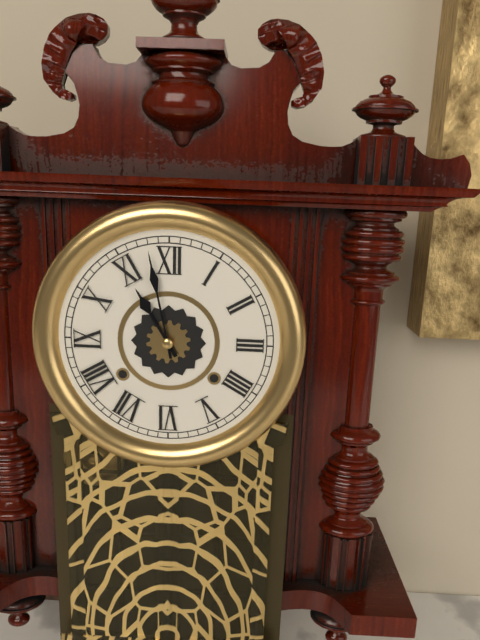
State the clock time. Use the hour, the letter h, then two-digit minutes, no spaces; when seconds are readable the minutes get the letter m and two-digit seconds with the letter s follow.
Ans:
10h58
